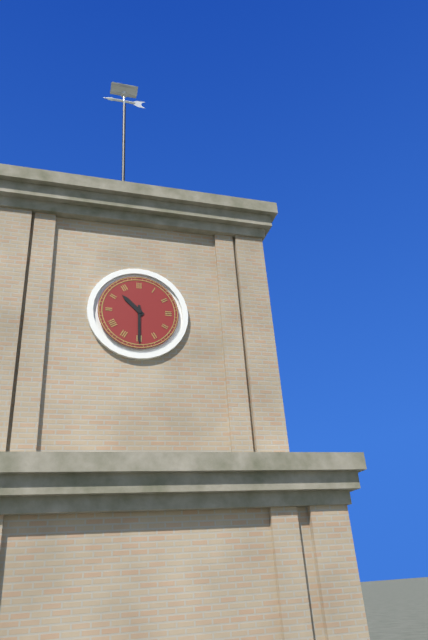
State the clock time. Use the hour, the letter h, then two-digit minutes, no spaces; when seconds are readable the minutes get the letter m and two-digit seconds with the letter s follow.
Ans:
10h30
